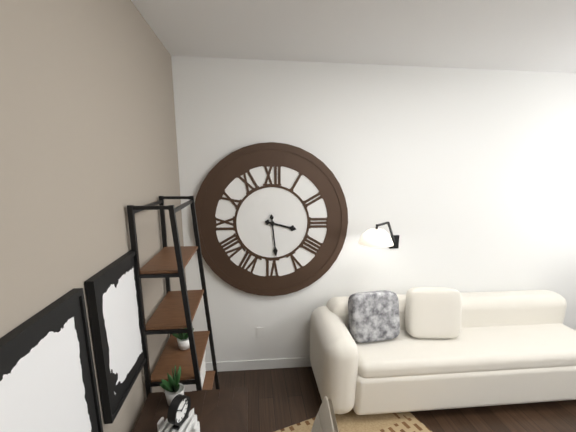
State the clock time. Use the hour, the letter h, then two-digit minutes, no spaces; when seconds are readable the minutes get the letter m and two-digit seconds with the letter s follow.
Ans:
3h29
